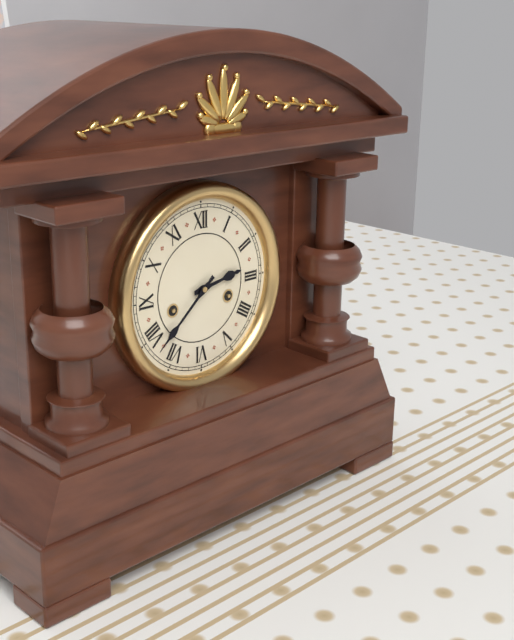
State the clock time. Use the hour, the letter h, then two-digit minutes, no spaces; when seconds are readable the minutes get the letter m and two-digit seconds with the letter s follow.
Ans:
2h38
